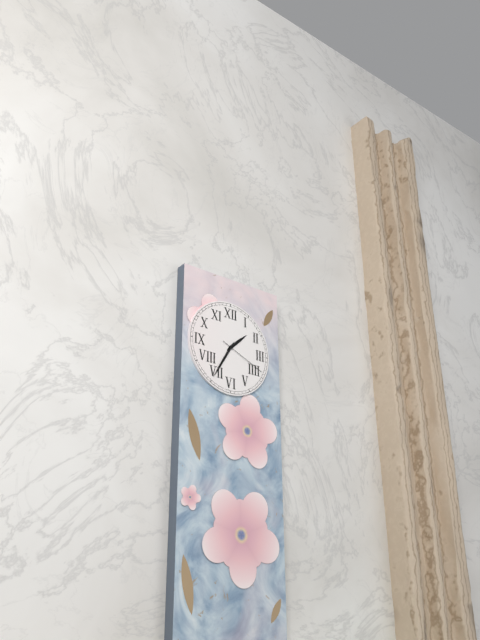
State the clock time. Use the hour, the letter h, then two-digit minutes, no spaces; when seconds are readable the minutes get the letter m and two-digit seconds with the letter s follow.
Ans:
1h35
